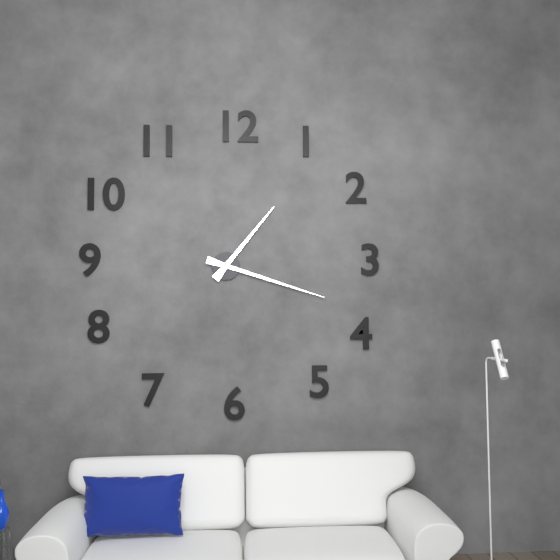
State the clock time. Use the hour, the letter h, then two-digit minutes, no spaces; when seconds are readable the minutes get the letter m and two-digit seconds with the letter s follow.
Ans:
1h18
